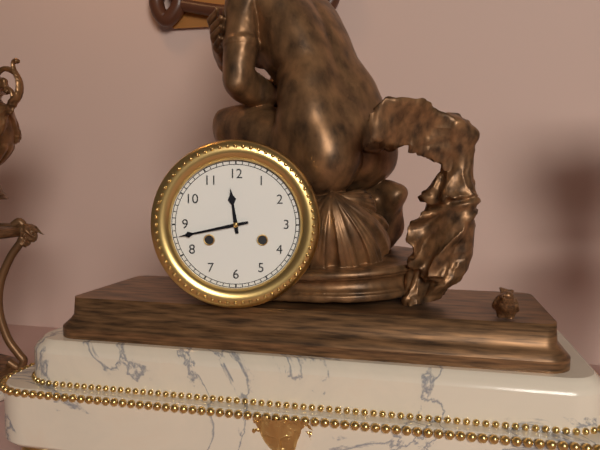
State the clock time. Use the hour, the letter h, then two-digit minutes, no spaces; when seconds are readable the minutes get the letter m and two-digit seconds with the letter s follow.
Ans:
11h43
